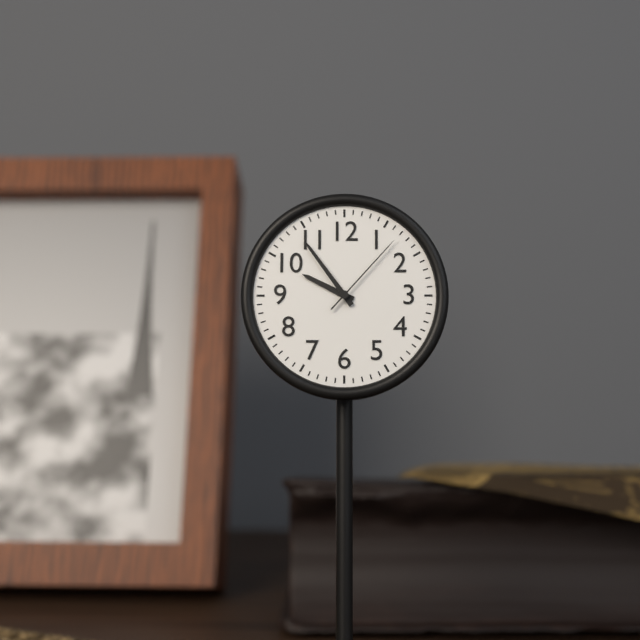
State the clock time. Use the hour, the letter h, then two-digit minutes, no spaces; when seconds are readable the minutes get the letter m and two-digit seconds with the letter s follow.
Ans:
9h54m07s
